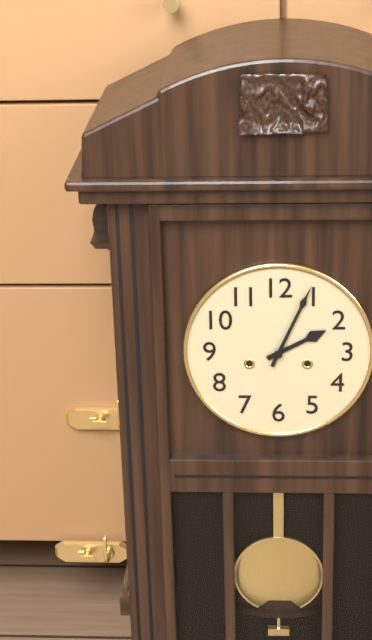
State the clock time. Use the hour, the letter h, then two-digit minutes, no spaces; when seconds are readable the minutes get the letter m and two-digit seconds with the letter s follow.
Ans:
2h04
